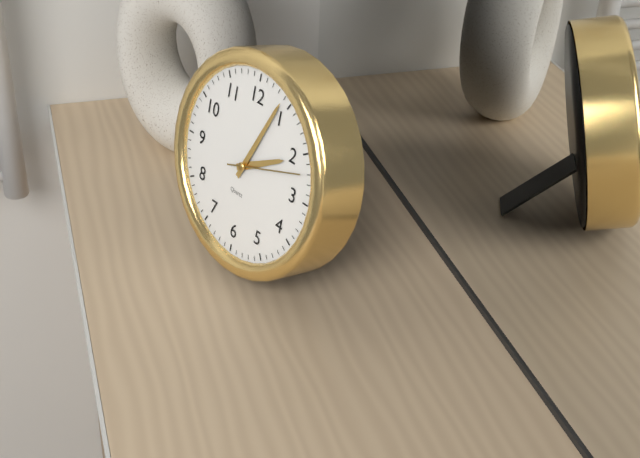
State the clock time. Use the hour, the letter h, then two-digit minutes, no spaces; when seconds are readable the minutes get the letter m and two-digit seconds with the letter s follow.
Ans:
2h04m12s
